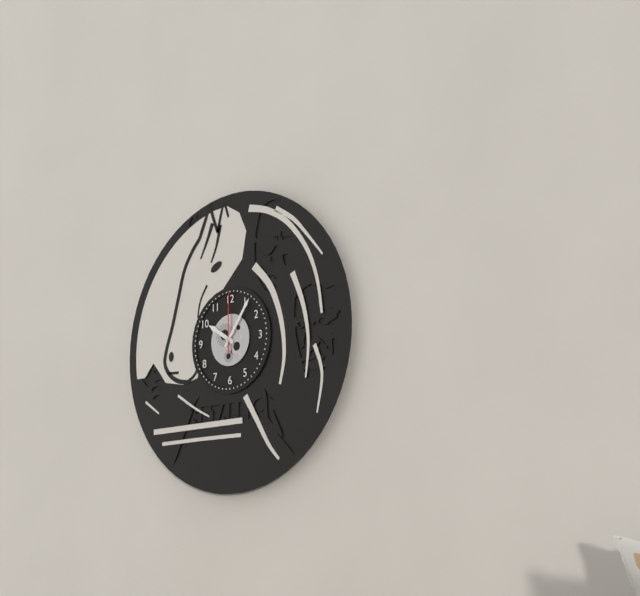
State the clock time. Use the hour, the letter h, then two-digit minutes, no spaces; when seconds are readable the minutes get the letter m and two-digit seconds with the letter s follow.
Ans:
10h06m00s
